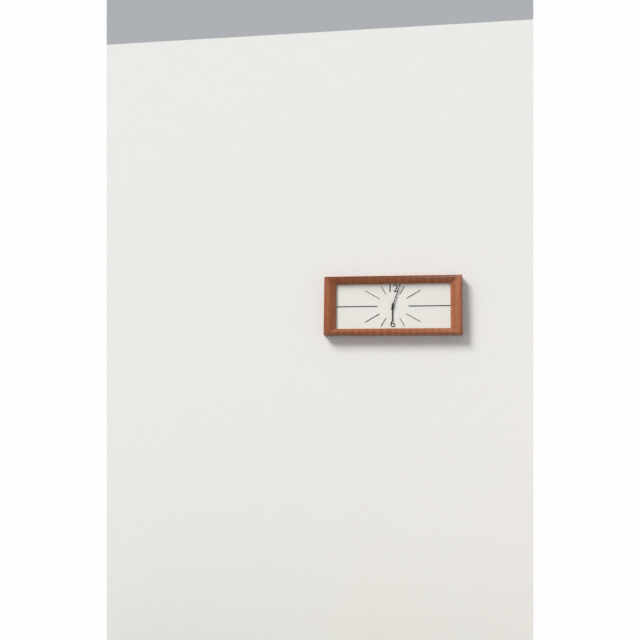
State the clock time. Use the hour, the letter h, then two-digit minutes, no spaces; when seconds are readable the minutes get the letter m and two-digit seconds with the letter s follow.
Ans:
6h03
